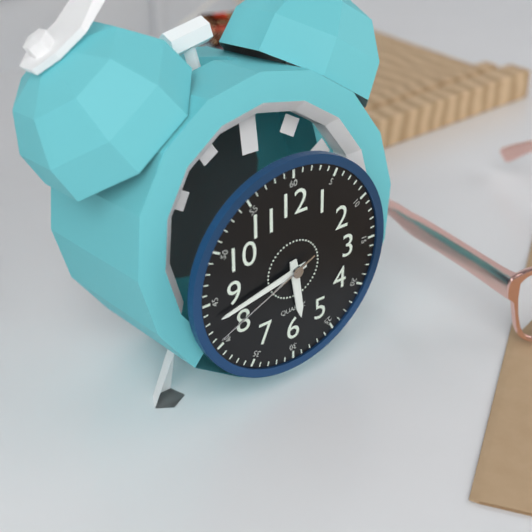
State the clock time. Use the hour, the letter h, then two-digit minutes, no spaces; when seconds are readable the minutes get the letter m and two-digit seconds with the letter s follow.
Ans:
5h43m41s
